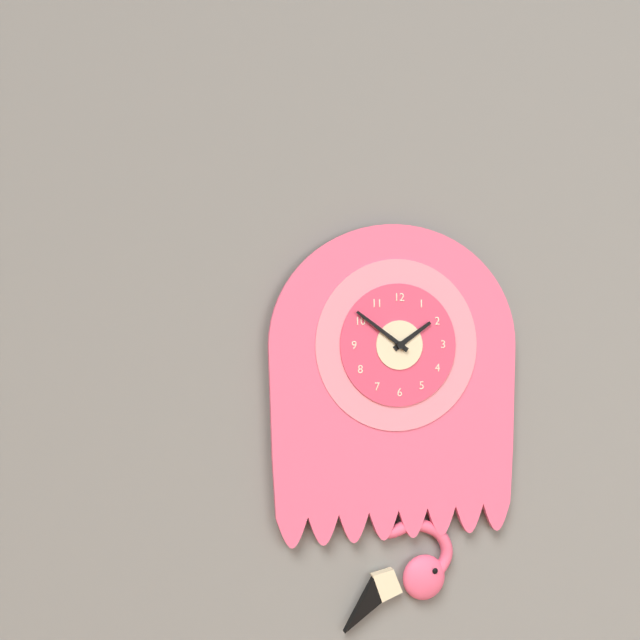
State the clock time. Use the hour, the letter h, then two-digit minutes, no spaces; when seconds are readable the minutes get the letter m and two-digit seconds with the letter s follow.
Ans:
1h51
